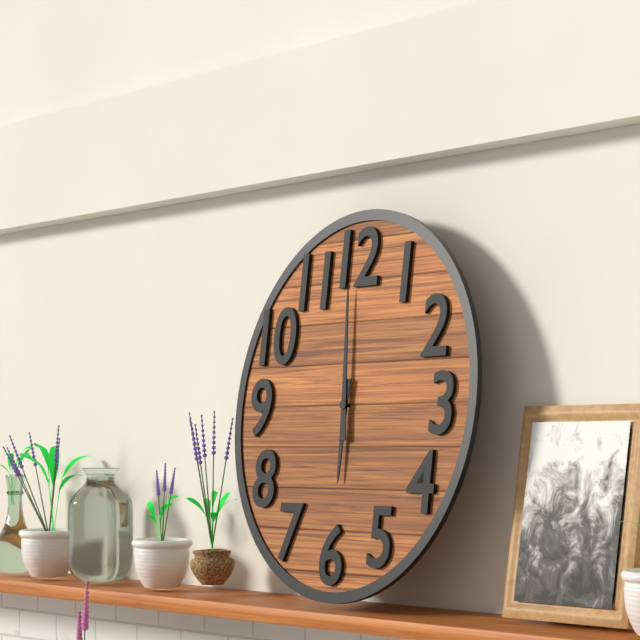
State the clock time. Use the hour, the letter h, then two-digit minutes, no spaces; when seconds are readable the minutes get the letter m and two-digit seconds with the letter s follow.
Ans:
5h59
